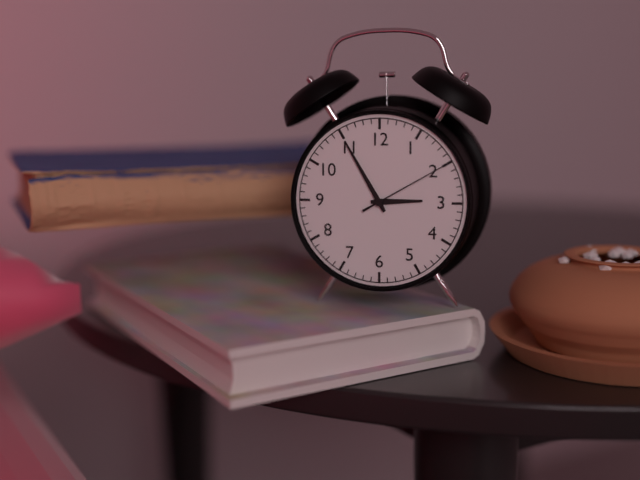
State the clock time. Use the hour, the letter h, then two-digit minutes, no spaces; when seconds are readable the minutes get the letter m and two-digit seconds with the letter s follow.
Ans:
2h55m10s
